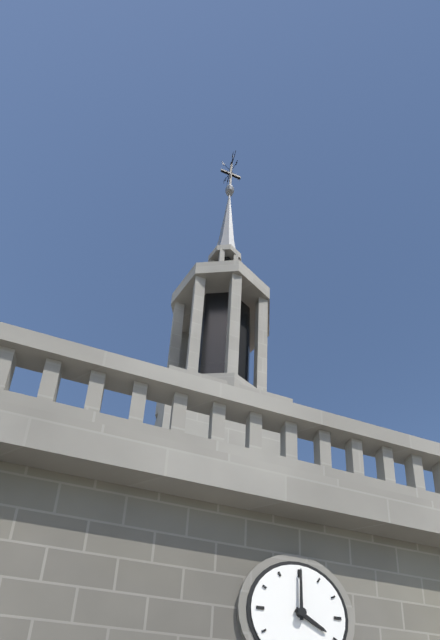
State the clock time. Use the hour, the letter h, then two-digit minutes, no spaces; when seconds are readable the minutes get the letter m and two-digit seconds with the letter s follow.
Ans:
4h00
